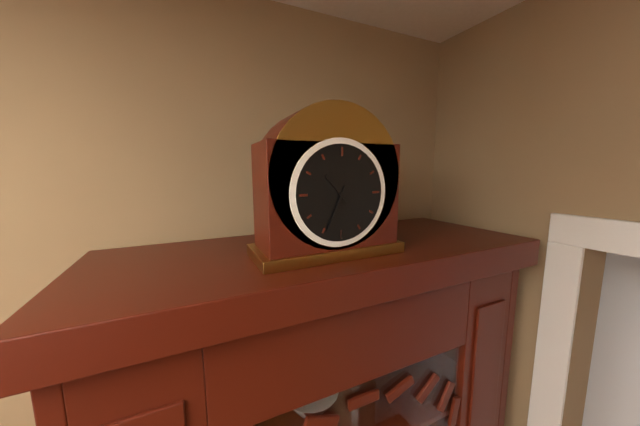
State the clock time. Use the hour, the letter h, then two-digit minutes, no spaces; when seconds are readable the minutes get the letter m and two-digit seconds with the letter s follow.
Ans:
10h34
